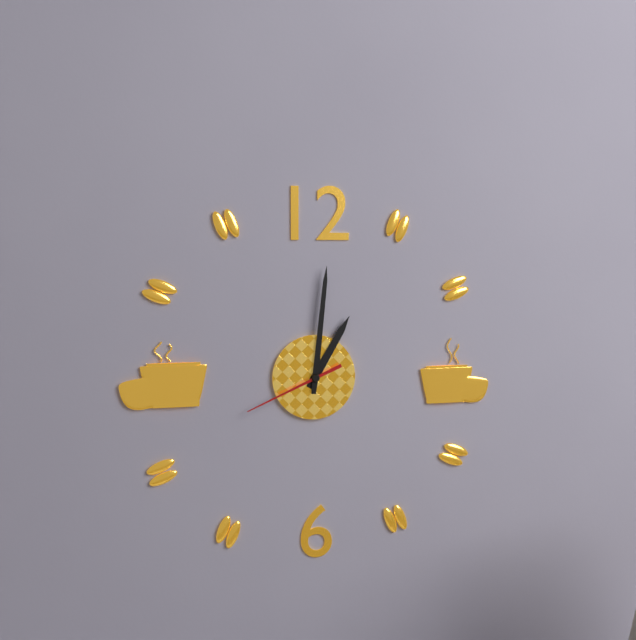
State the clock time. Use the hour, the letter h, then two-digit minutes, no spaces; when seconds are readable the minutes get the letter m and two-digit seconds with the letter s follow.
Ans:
1h01m41s
